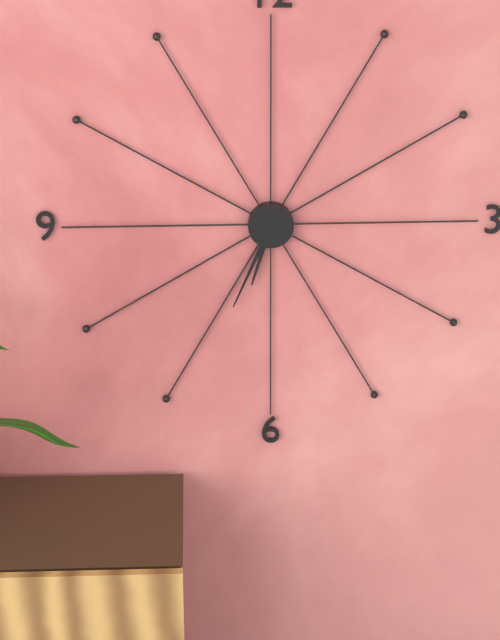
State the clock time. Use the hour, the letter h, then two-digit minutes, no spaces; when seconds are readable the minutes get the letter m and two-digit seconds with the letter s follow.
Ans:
6h34
